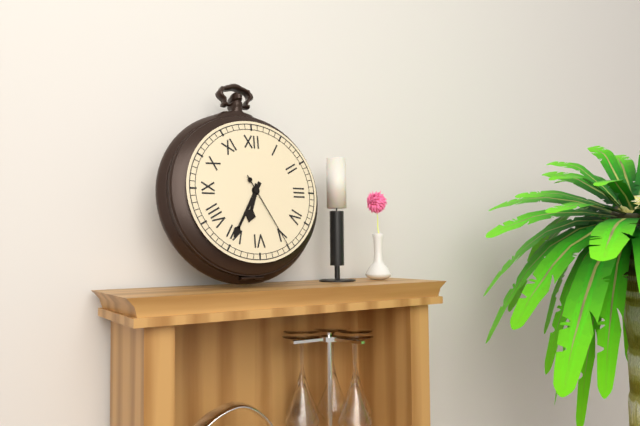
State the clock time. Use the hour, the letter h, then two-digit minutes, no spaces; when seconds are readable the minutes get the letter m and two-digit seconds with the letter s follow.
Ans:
6h35m25s
